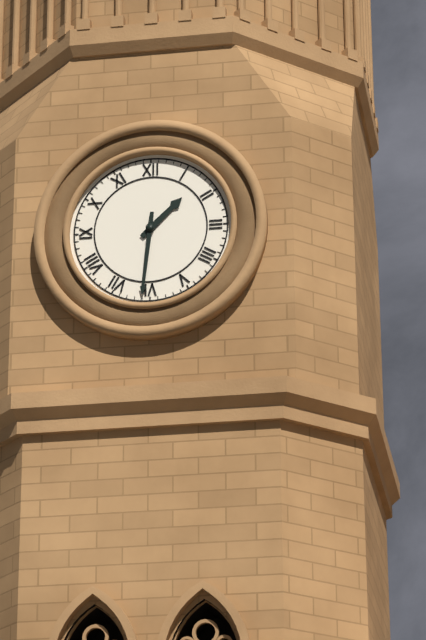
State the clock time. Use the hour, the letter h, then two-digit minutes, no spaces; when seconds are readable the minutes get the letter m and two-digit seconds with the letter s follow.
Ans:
1h31
